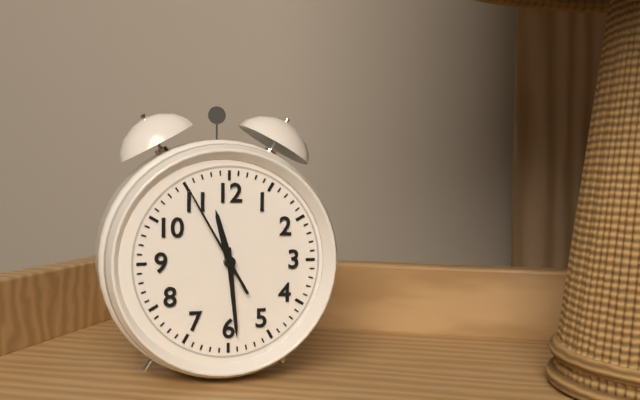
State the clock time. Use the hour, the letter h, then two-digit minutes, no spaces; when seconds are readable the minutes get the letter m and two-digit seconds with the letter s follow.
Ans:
11h29m55s
